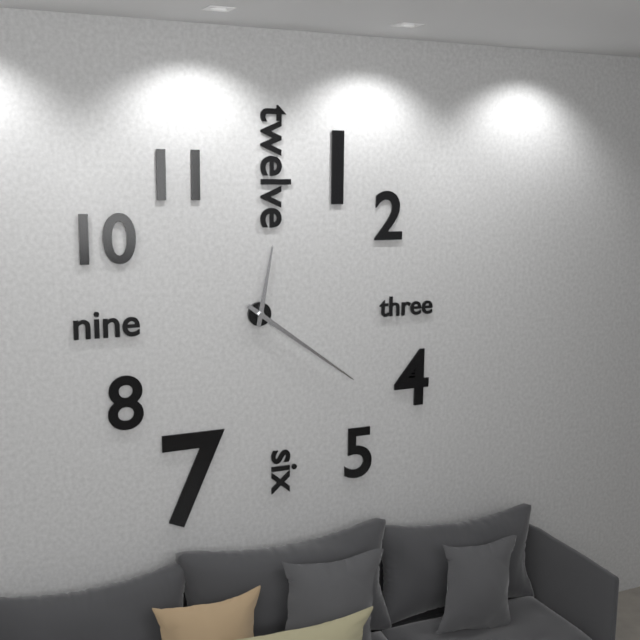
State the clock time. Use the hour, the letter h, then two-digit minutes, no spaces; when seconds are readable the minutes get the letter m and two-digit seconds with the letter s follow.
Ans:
12h21
